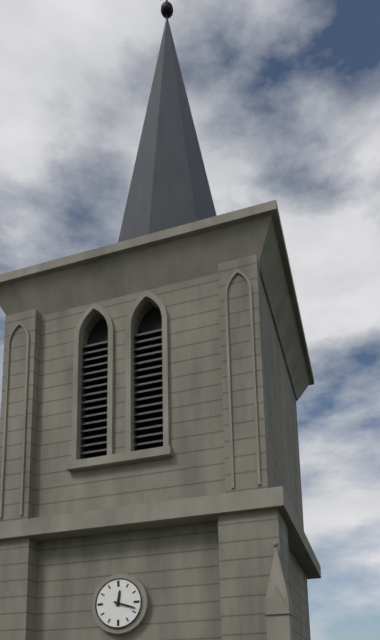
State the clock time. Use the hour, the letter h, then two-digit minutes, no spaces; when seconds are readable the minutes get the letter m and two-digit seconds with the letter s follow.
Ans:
12h18
